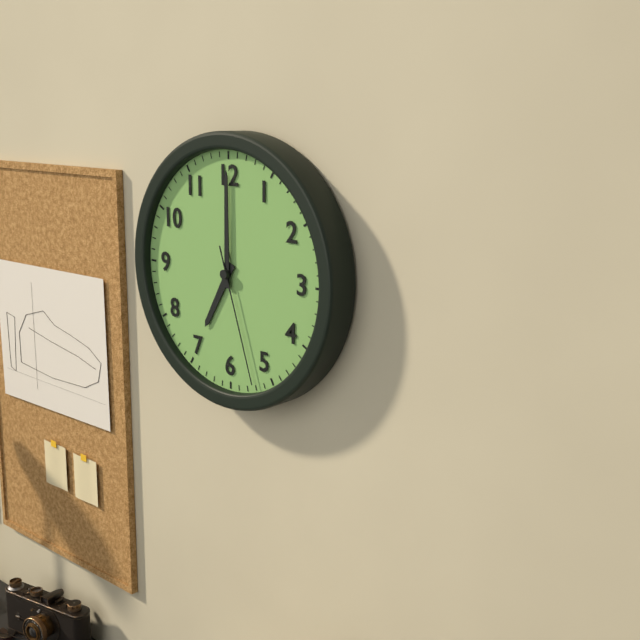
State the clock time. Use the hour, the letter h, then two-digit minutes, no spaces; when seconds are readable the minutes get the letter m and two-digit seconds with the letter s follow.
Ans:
7h00m27s
